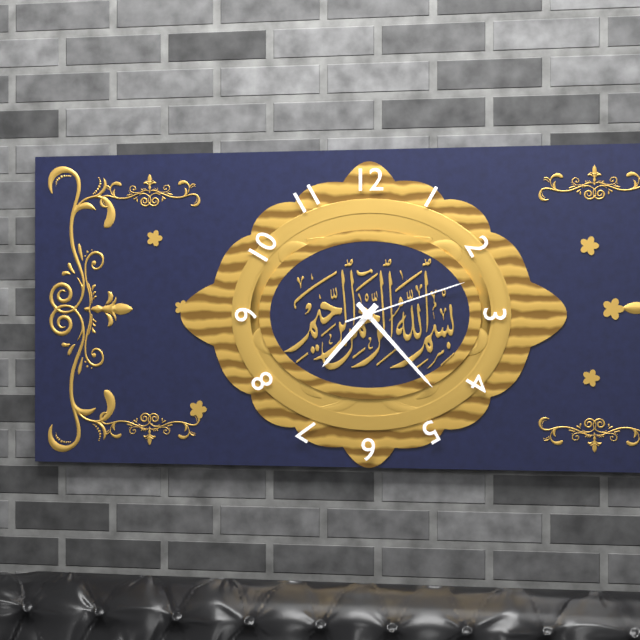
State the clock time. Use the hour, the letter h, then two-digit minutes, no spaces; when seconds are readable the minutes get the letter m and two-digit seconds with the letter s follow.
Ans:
7h23m12s
